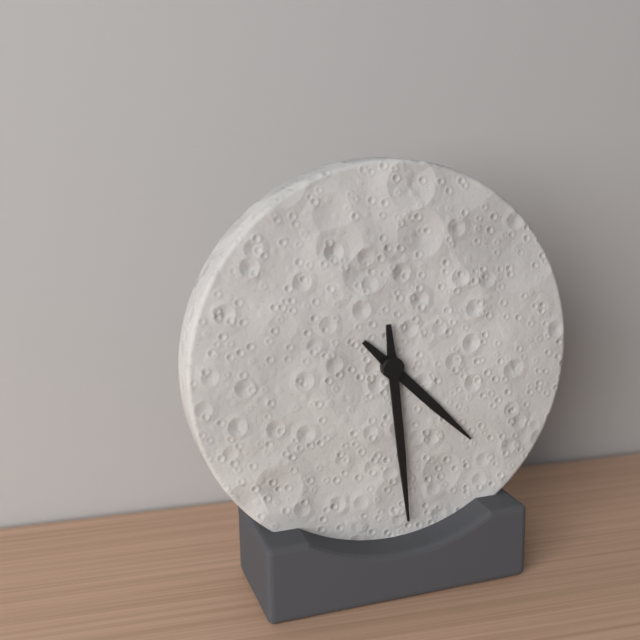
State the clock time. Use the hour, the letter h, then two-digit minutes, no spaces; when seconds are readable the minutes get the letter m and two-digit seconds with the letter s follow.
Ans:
4h29
